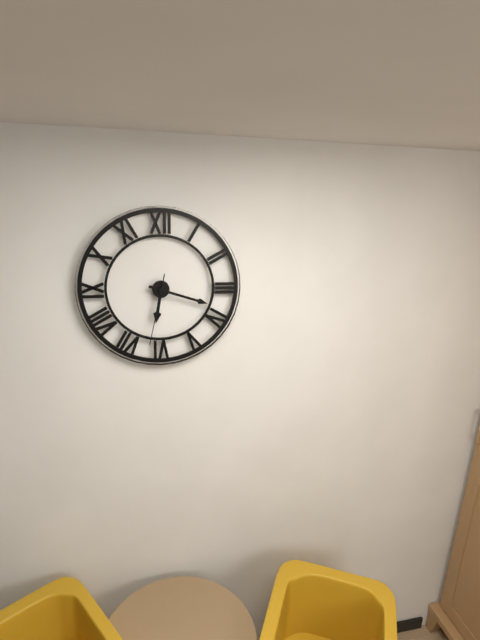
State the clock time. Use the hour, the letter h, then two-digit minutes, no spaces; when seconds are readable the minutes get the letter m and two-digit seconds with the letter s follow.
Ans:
6h18m32s
